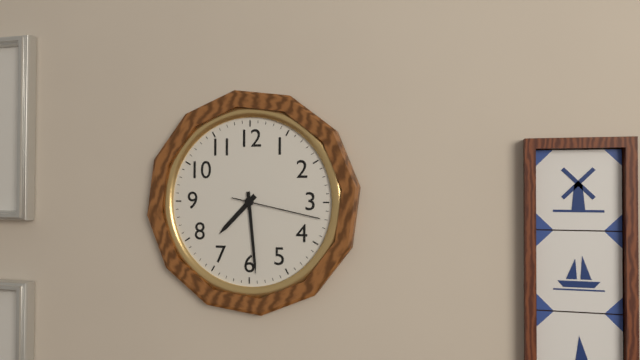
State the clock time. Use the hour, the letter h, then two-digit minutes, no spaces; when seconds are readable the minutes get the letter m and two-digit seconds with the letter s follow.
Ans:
7h29m17s
